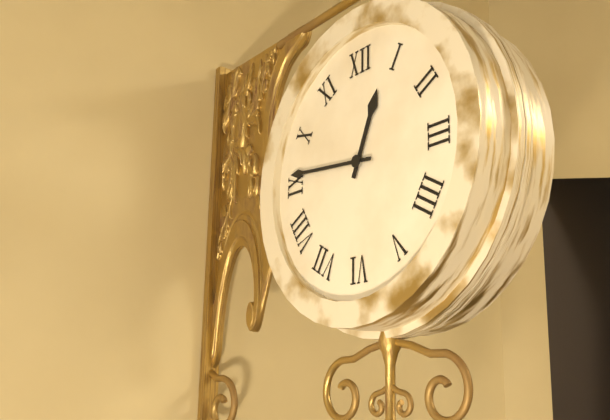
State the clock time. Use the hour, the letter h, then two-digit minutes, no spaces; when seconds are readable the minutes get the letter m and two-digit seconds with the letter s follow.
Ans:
12h46
